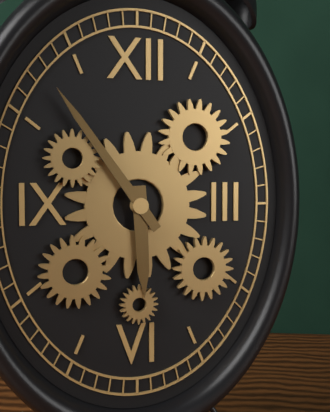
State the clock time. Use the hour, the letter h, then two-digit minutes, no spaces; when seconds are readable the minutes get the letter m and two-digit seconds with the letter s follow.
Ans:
5h54
